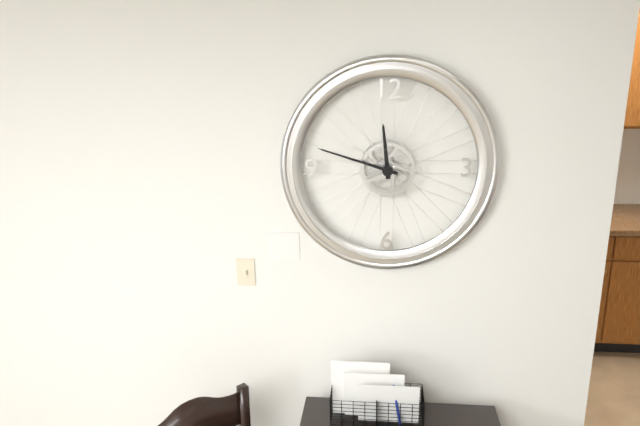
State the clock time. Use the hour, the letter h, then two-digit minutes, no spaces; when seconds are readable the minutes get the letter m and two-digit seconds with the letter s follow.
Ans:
11h48
